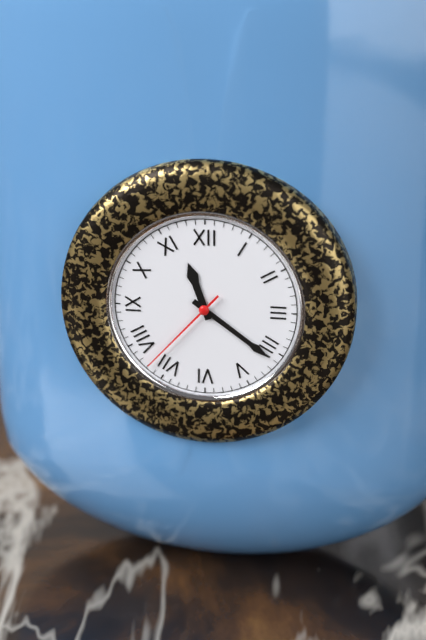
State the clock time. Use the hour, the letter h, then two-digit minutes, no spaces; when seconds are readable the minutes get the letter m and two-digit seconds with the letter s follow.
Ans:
11h21m37s
